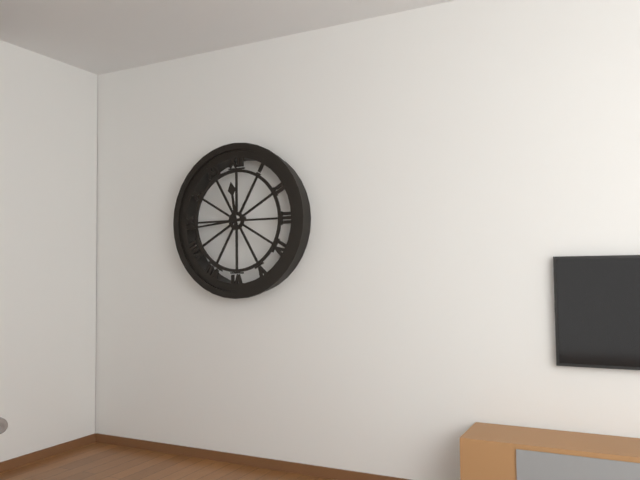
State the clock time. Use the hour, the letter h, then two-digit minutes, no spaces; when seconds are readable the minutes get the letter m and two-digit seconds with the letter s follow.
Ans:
11h44
